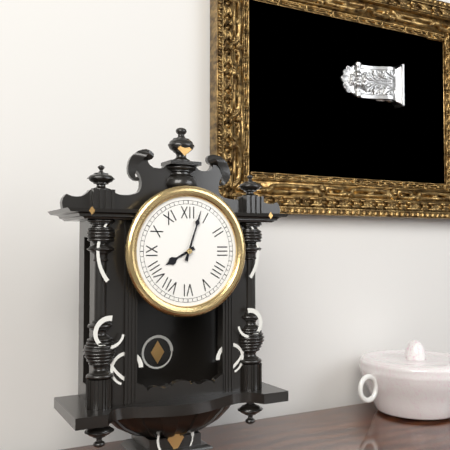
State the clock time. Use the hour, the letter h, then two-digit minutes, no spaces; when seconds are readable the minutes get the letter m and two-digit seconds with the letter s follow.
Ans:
8h03
